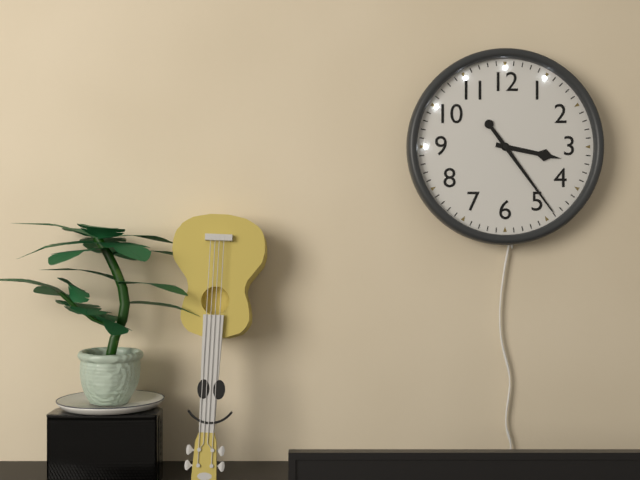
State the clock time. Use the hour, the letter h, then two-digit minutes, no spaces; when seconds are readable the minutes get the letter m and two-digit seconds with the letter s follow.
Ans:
3h24
